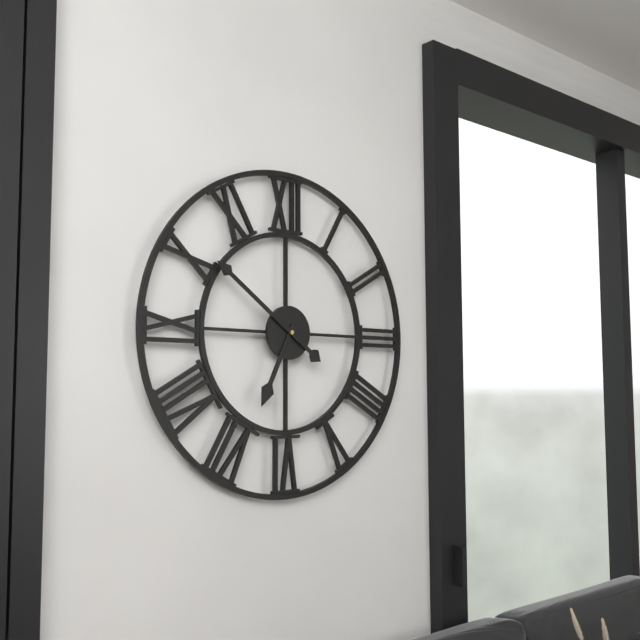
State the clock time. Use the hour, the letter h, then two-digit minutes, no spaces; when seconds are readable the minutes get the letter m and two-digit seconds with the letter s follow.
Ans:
6h51
